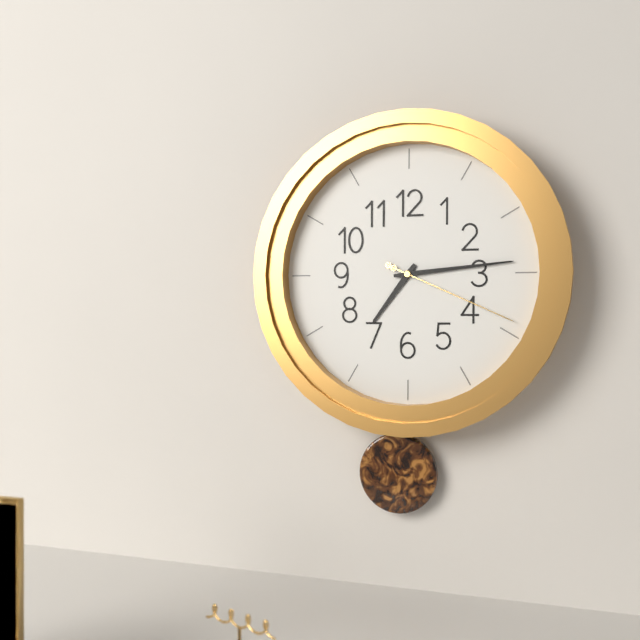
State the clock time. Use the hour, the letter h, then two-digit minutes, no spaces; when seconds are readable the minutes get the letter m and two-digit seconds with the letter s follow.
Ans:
7h14m19s
